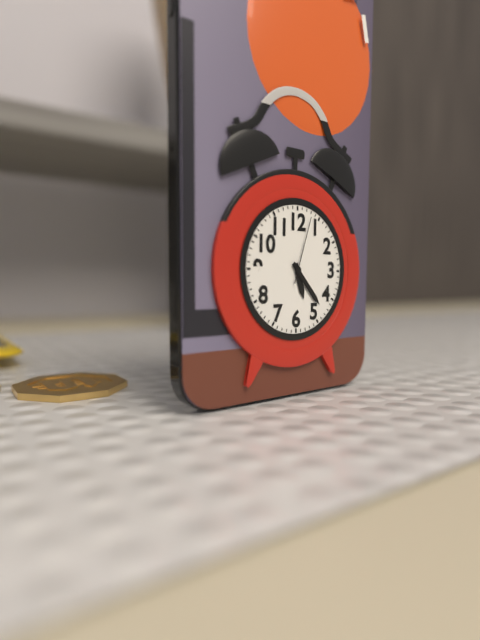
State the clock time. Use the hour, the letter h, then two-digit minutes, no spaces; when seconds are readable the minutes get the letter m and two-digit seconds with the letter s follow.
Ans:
5h23m03s
